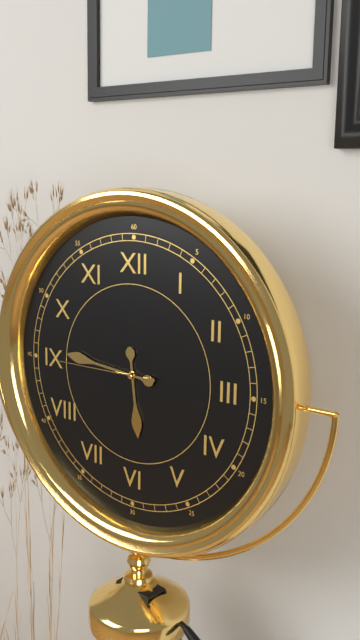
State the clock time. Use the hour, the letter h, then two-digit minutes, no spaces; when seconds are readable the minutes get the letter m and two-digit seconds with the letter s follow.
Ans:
5h46m45s
